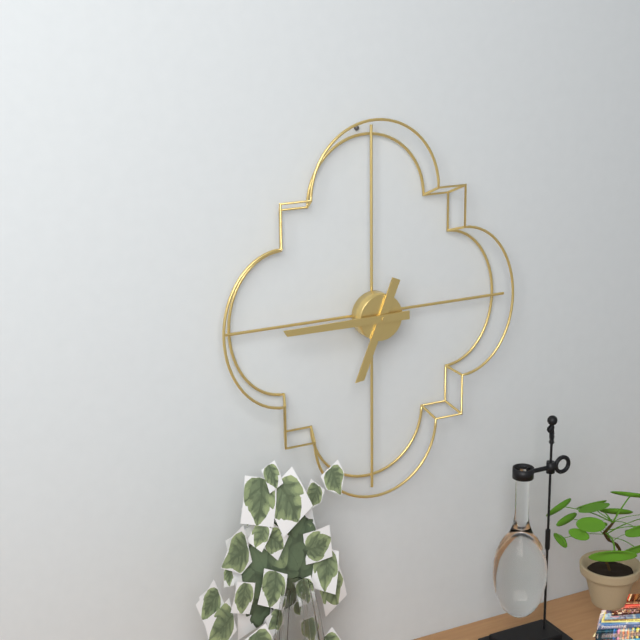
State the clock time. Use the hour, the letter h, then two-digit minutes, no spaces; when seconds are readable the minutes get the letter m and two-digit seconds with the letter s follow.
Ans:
6h45
